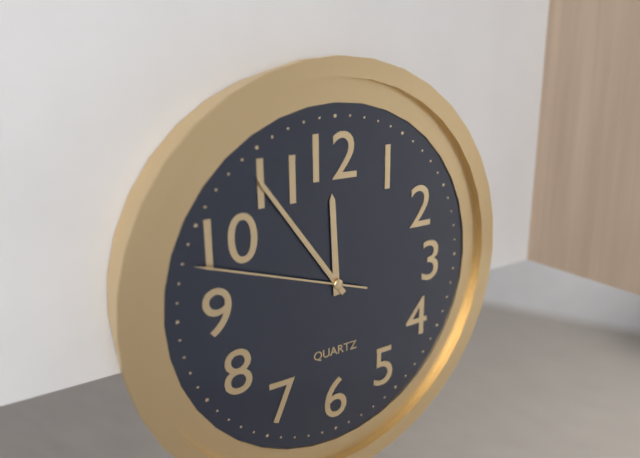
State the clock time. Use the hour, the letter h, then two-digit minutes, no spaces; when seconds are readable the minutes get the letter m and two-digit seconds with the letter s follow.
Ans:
11h54m48s
